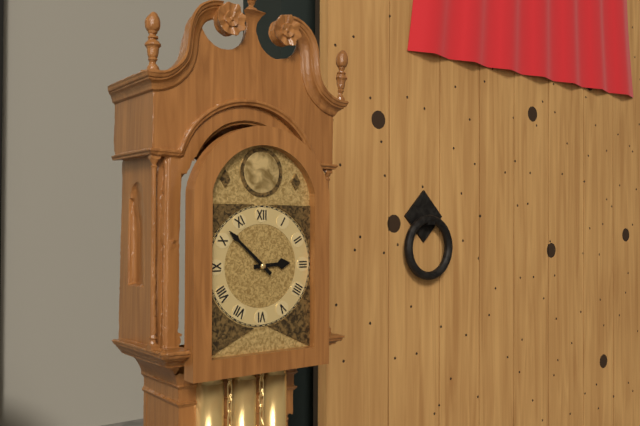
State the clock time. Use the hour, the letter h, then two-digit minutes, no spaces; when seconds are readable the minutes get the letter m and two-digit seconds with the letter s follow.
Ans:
2h52
